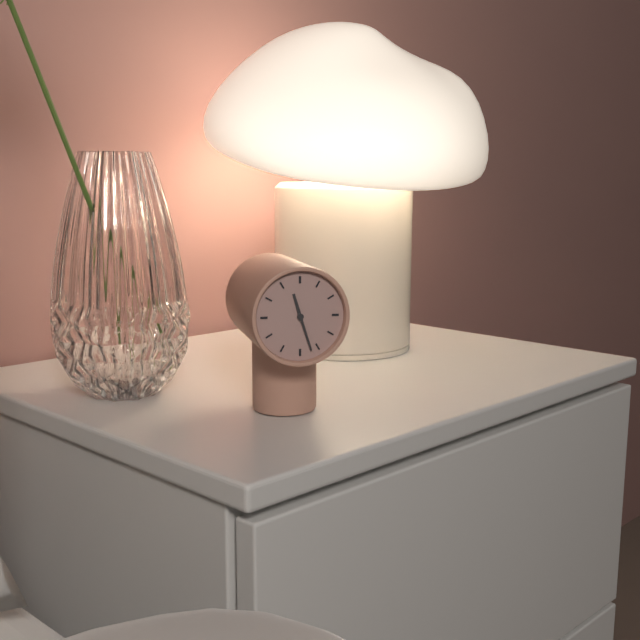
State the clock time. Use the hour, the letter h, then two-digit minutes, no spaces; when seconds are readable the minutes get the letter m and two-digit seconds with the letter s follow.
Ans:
11h27
